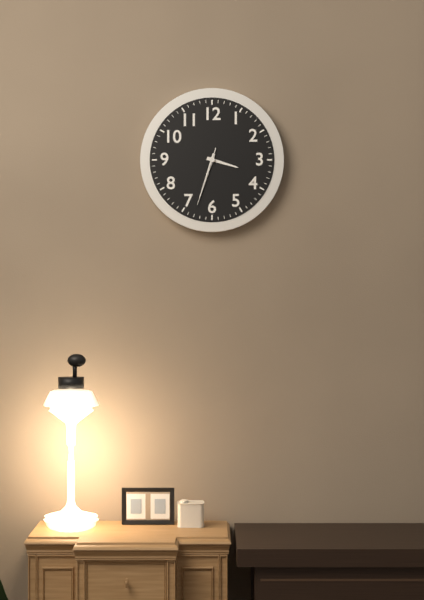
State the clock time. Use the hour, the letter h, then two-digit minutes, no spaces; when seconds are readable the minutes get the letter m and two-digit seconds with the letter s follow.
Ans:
3h33m33s
